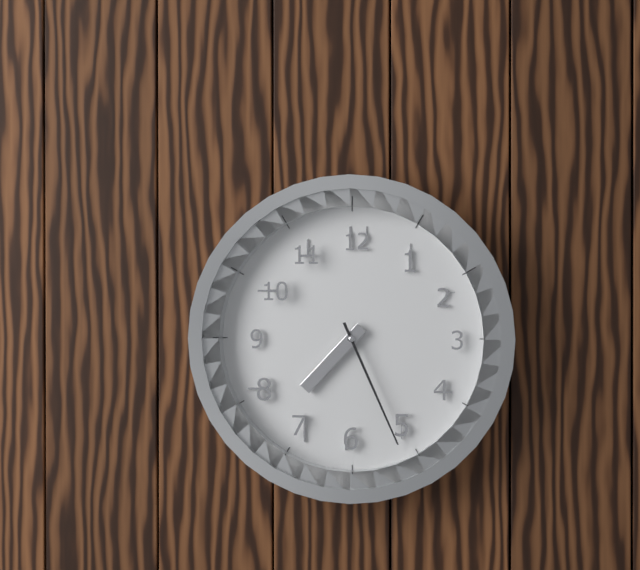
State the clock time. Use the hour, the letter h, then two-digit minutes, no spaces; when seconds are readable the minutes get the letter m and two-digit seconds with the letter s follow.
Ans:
7h26
